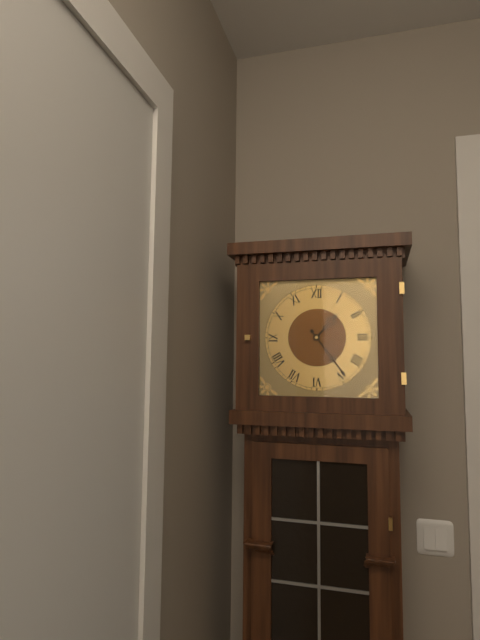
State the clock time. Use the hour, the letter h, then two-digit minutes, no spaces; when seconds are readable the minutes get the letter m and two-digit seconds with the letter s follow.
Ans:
1h24
